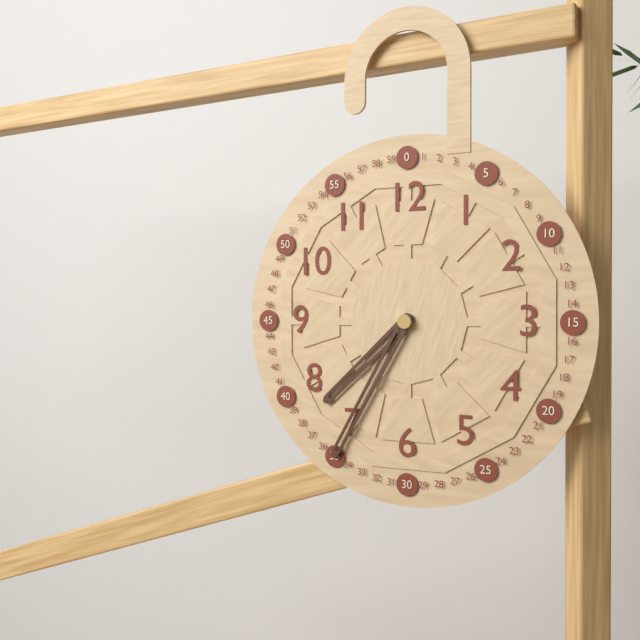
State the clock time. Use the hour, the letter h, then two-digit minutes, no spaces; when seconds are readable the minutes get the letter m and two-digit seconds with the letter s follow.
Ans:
7h35
